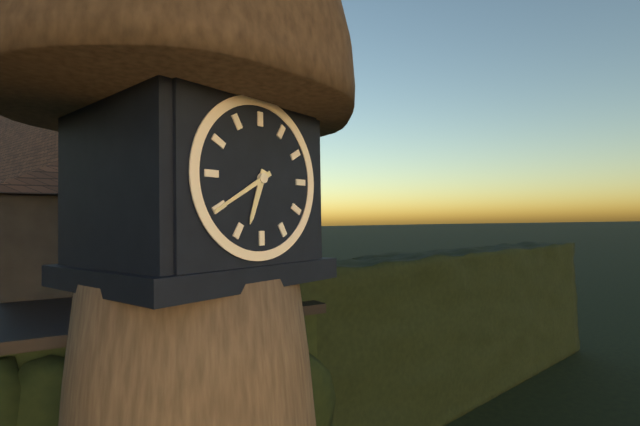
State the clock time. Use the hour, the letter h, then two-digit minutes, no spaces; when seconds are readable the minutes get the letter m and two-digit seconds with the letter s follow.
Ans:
6h40
